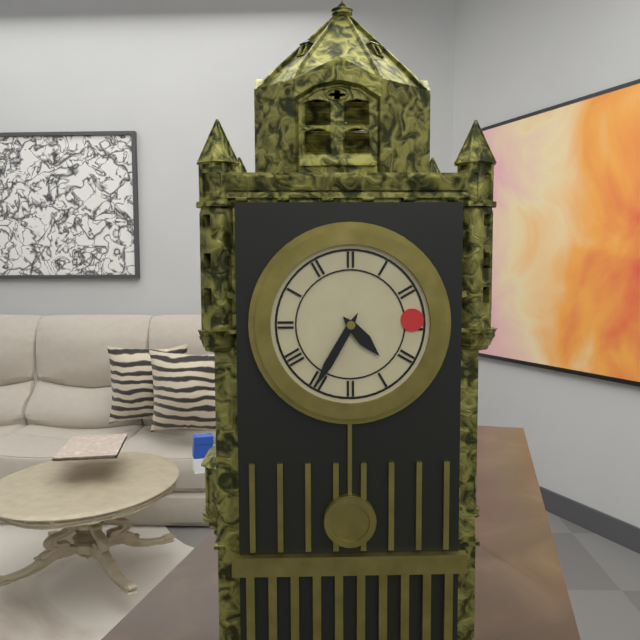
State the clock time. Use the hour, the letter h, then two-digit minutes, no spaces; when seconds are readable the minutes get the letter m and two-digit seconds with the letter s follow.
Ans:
4h35
